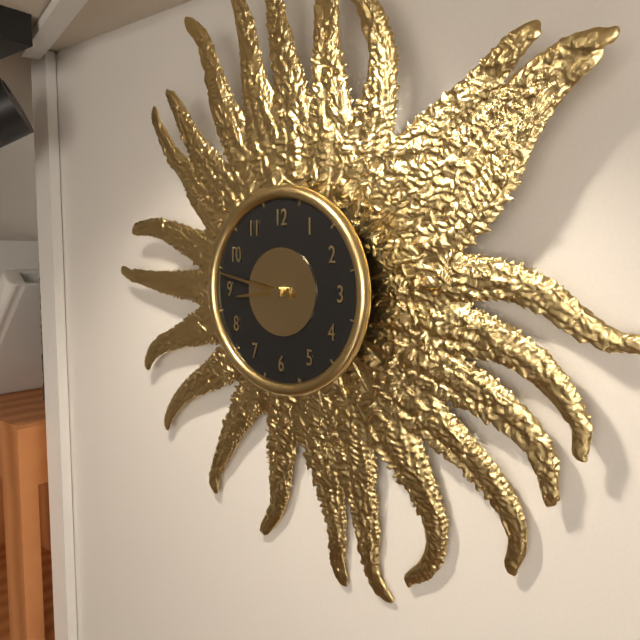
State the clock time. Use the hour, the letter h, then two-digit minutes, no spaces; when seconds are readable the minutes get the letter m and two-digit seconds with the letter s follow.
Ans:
8h47
